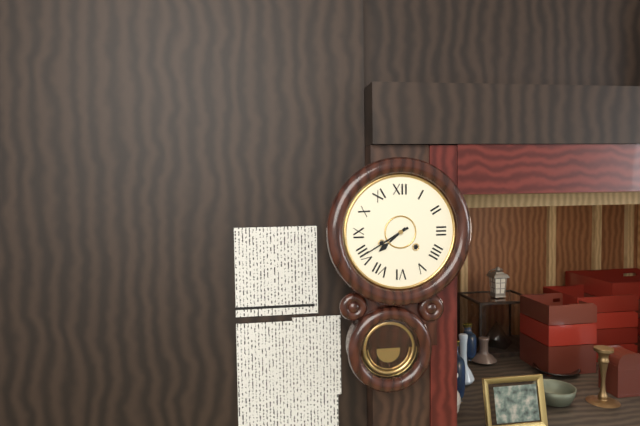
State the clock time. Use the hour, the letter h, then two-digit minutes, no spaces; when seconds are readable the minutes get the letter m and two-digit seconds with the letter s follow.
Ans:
7h40
